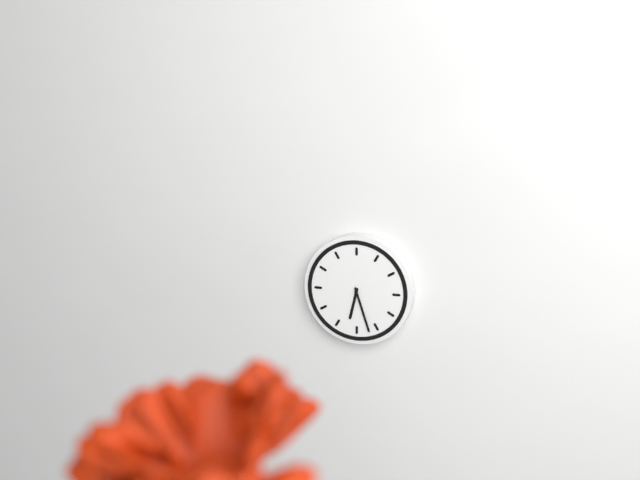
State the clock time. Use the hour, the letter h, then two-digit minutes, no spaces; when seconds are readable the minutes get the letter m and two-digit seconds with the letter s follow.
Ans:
6h27
